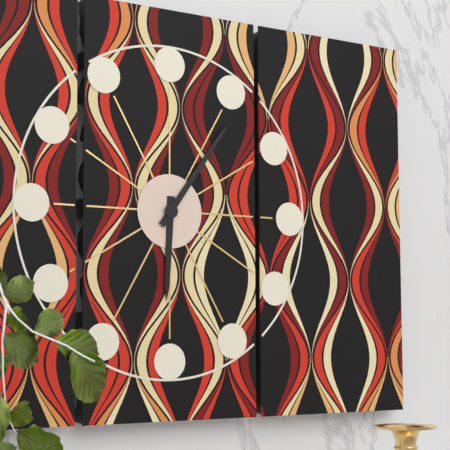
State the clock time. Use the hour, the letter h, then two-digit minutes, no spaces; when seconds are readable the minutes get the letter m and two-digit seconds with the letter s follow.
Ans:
6h06
